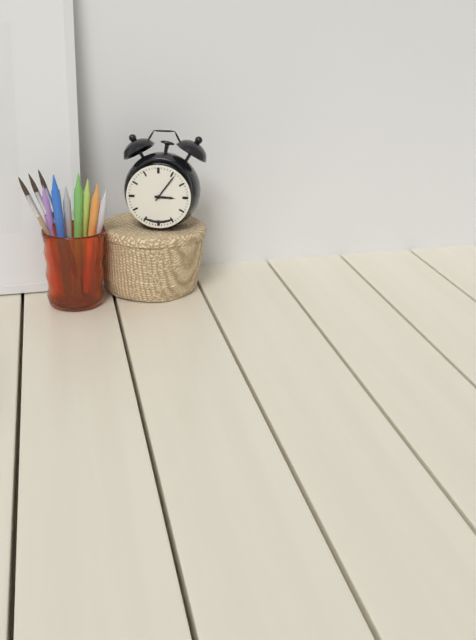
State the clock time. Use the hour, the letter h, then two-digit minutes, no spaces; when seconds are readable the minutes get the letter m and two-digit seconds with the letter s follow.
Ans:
3h06
